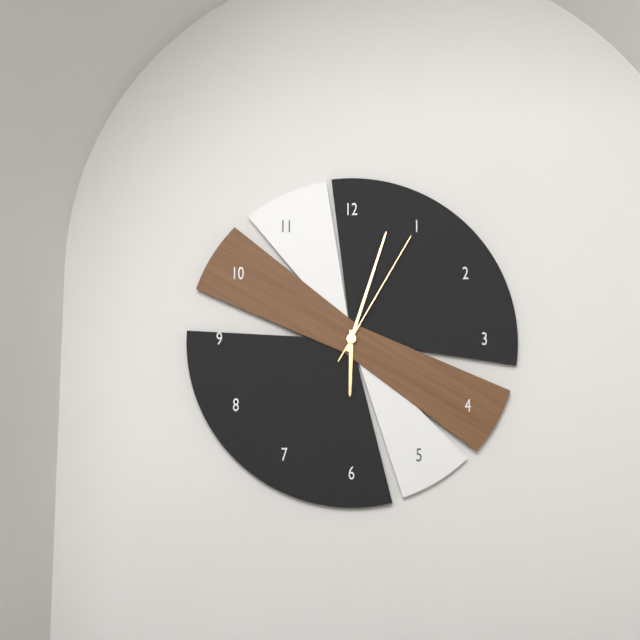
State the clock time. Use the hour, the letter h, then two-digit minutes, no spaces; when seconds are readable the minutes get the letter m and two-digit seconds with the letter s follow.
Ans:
6h03m05s
